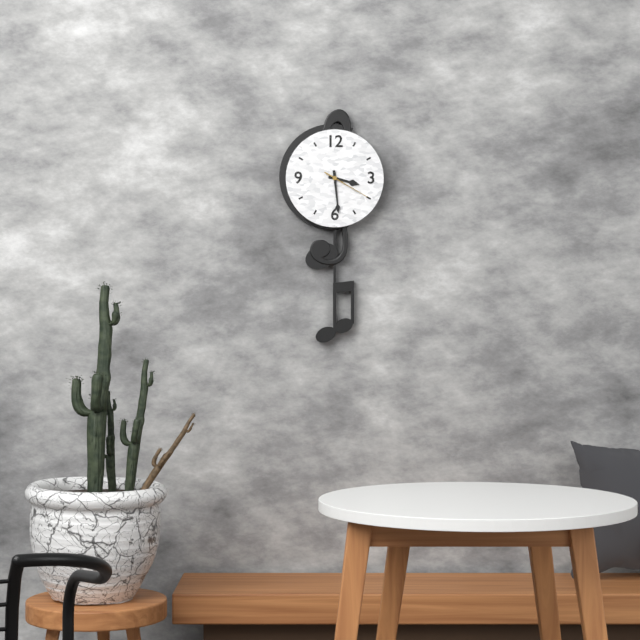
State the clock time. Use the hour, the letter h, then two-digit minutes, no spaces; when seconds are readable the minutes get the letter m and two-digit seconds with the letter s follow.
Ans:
3h29
